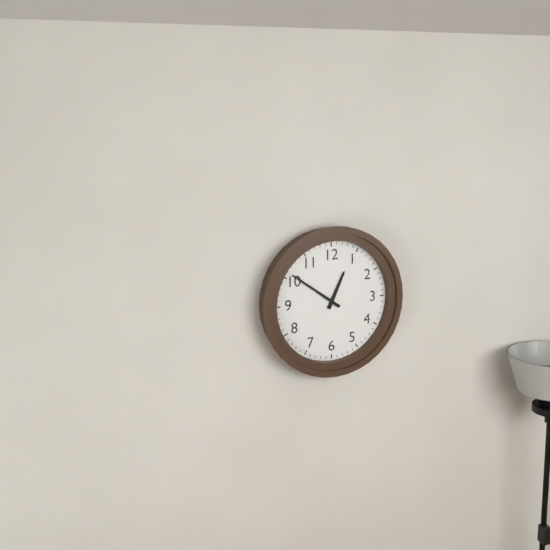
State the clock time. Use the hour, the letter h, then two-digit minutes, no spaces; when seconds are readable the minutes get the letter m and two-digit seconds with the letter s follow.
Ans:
12h51
